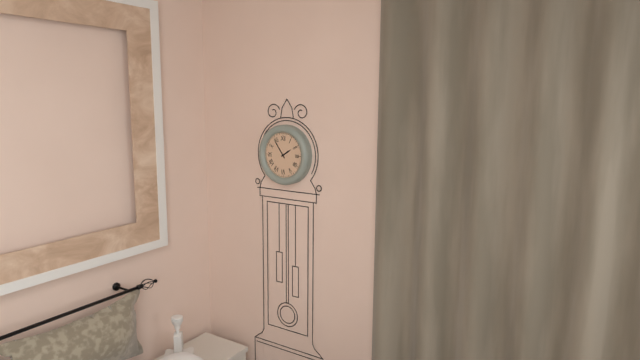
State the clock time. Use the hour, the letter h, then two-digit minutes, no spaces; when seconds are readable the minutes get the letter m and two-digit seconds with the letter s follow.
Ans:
1h54
